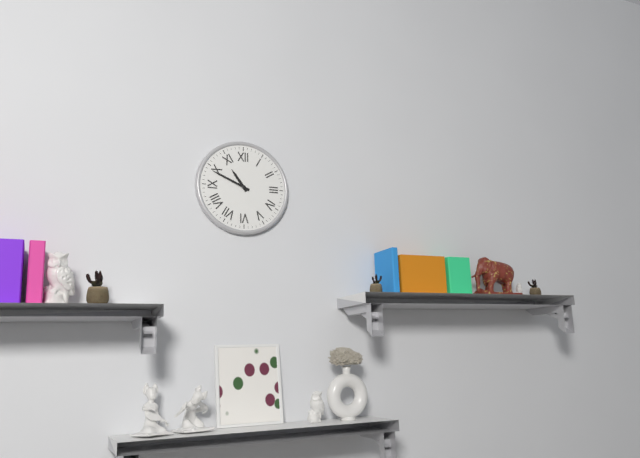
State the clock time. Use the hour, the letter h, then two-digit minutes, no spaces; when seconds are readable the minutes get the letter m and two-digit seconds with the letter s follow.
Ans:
10h49
